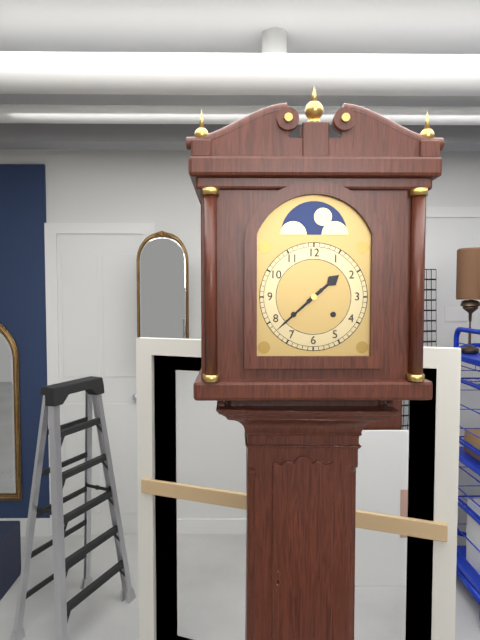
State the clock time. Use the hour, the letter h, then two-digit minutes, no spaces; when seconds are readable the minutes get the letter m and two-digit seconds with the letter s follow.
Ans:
1h38
